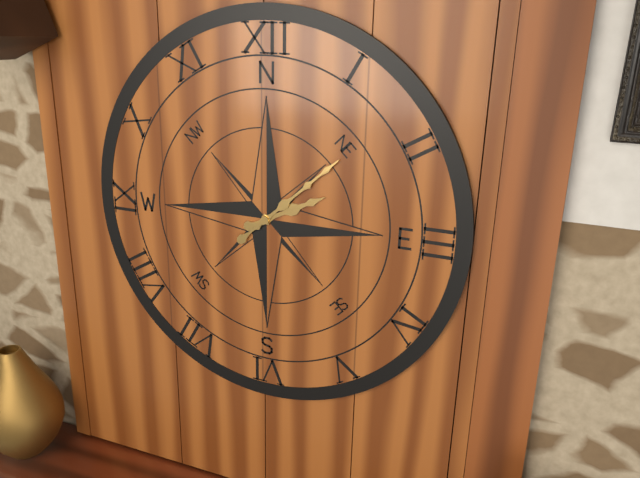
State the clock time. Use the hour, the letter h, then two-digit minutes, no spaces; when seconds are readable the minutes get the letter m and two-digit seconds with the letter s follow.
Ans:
2h08
